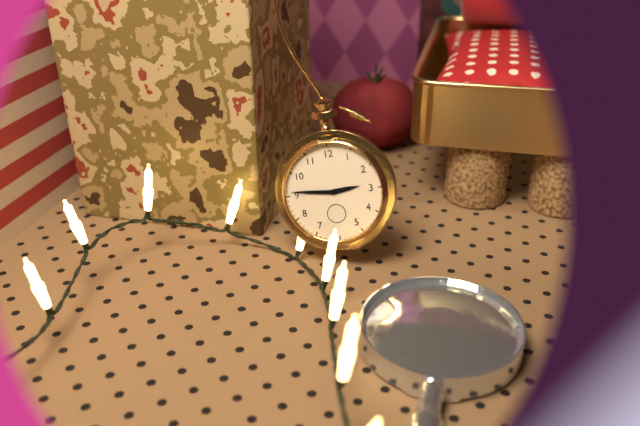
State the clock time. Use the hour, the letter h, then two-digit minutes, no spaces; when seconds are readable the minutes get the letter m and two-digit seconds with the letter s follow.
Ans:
2h46
